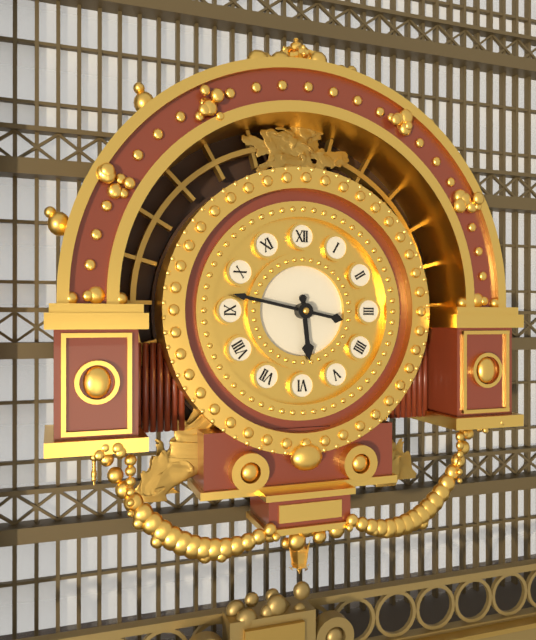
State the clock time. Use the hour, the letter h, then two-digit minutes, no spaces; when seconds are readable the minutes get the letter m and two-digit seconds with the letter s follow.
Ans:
5h47
